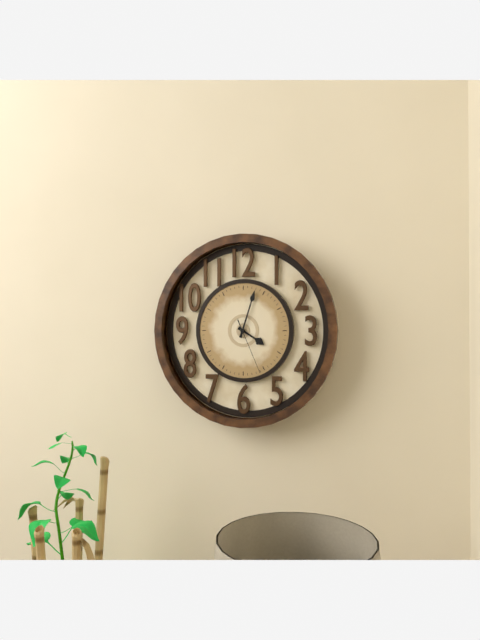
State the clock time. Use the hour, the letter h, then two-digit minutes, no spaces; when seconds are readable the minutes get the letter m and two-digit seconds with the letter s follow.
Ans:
4h03m26s
